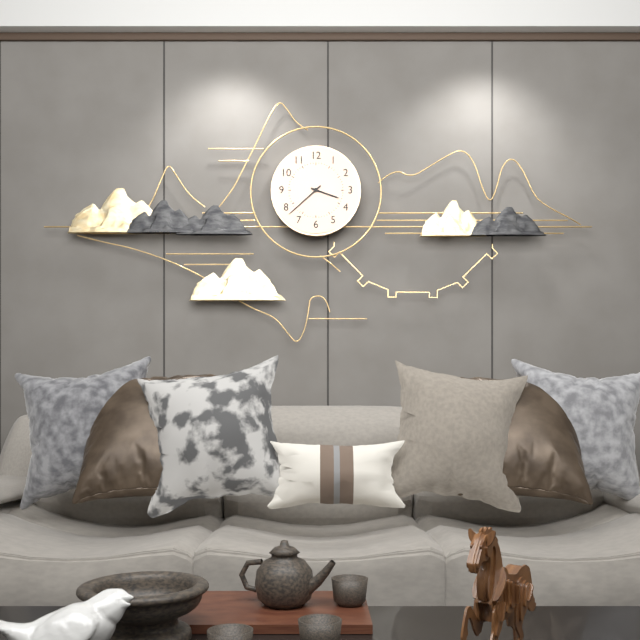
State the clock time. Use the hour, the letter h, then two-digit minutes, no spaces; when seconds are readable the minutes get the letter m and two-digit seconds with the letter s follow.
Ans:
3h38
